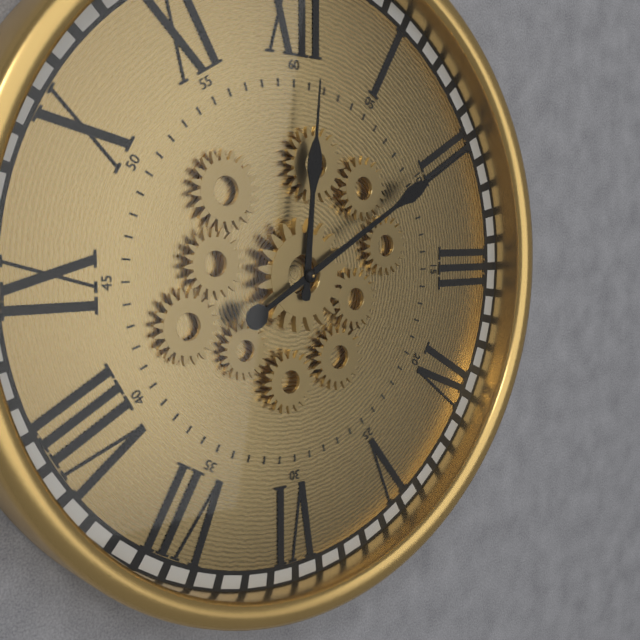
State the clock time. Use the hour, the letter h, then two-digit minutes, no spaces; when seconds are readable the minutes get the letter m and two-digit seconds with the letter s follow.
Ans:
12h10
